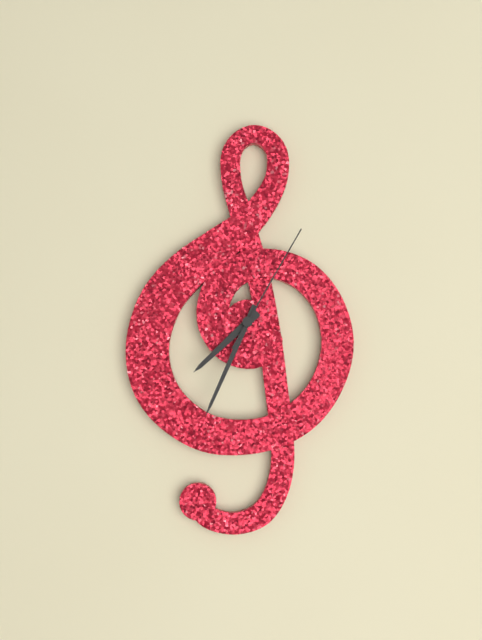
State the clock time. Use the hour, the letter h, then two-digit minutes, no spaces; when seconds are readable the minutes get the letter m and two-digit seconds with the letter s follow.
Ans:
7h34m05s
